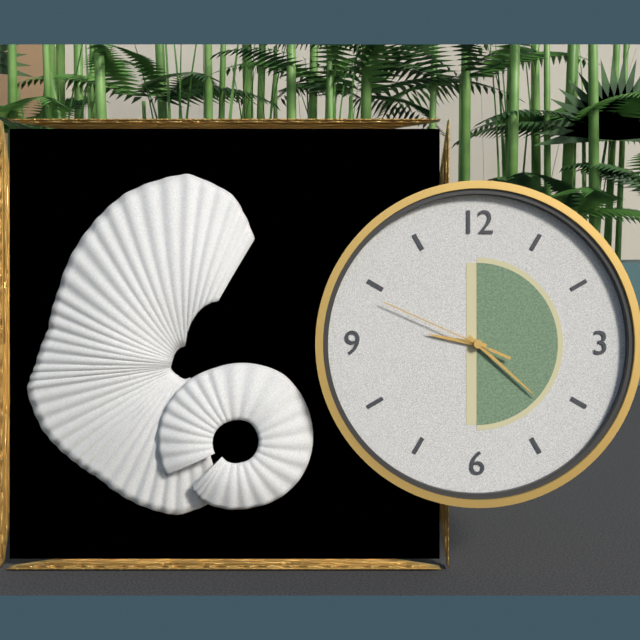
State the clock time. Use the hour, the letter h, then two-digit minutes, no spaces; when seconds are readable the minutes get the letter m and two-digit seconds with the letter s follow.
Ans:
9h22m49s
